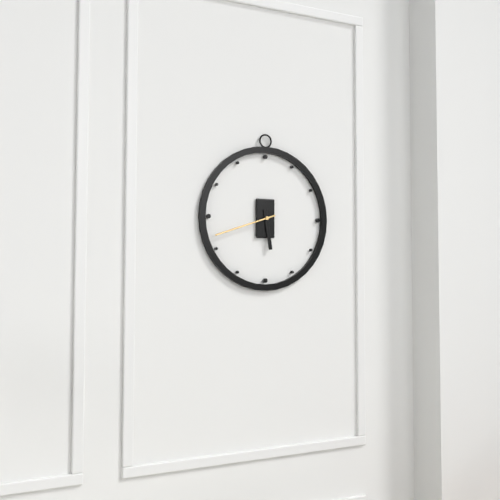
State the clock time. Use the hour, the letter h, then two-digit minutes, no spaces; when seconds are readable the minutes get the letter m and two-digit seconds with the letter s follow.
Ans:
5h42
